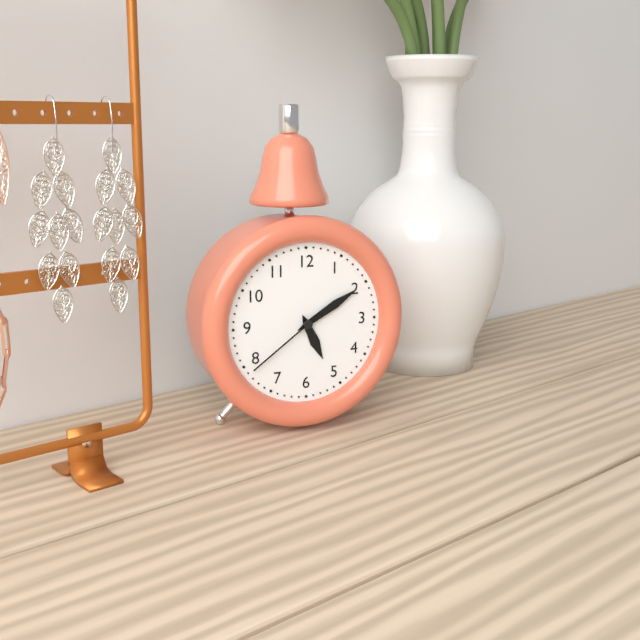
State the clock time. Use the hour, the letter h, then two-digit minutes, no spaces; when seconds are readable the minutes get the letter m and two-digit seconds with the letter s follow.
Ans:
5h10m39s
